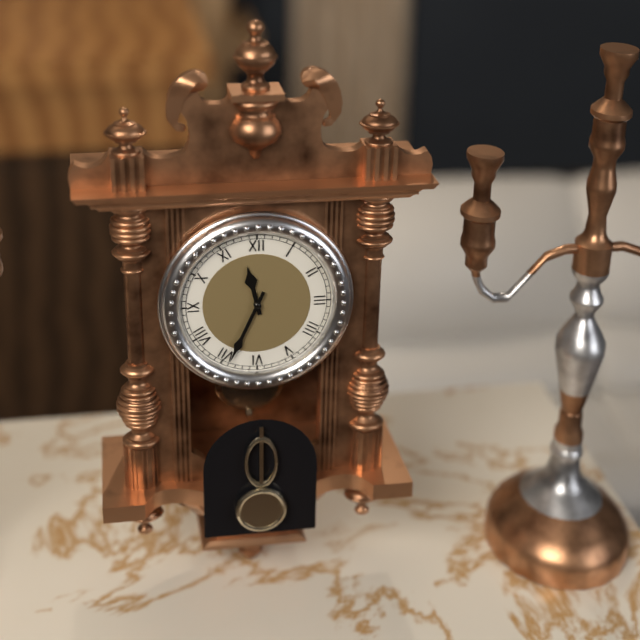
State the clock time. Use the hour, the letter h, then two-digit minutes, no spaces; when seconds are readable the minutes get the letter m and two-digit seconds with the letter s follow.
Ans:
11h34
